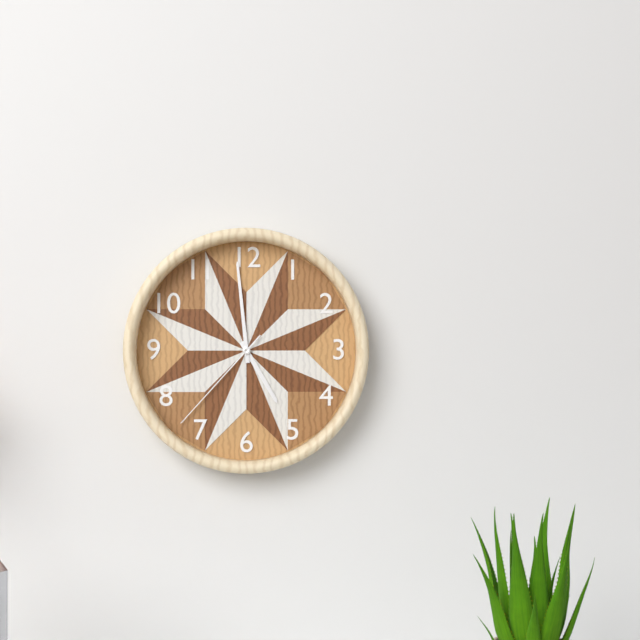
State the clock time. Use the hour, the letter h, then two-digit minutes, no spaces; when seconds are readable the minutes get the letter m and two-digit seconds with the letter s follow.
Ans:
4h59m37s
